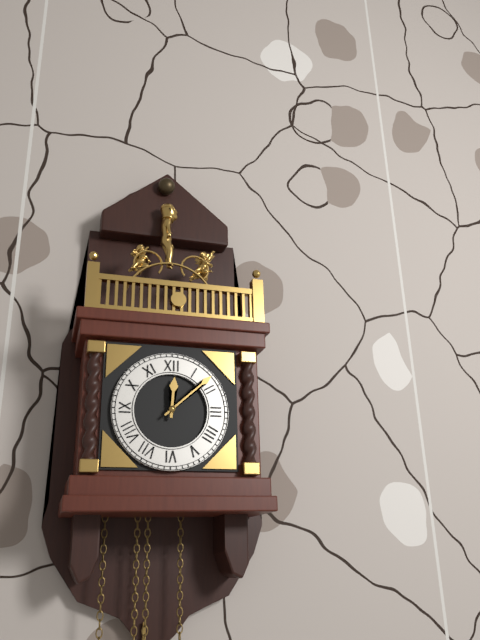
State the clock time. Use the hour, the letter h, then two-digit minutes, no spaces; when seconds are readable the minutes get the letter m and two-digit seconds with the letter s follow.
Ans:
12h08
